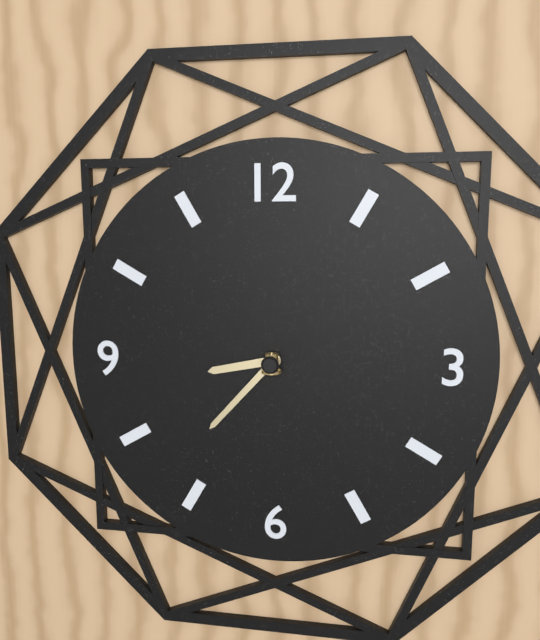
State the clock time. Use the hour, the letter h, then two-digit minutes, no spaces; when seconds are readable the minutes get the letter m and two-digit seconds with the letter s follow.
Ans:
8h37
